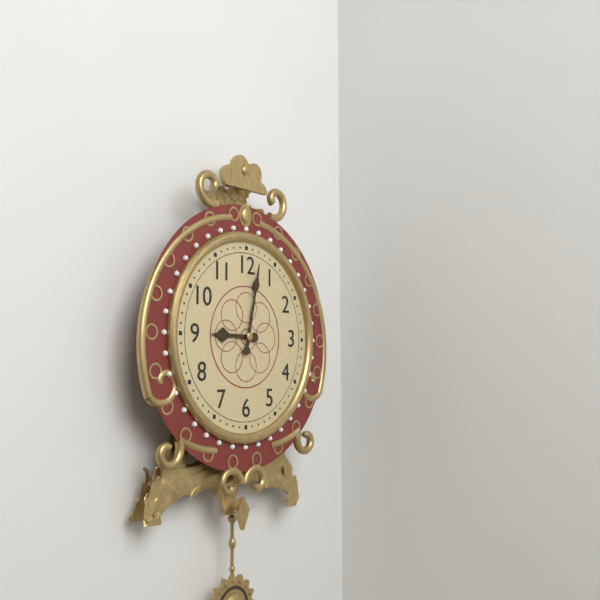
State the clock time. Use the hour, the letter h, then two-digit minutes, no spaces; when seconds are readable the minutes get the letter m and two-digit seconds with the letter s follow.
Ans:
9h02
